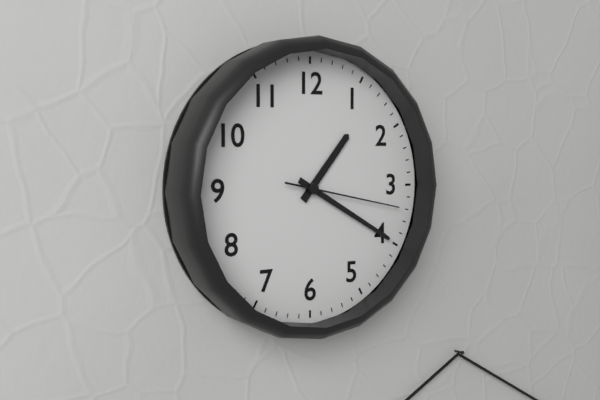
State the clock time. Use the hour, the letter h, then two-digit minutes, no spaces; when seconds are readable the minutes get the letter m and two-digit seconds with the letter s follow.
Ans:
1h20m17s
